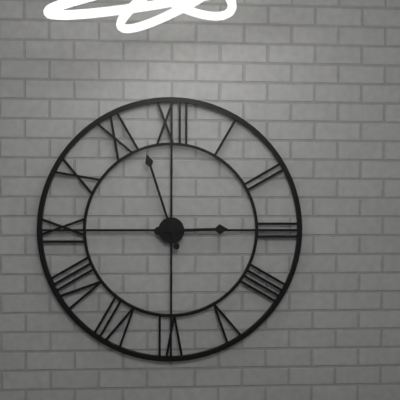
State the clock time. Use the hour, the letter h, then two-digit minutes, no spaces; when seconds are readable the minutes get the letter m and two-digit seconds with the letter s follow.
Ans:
2h57
